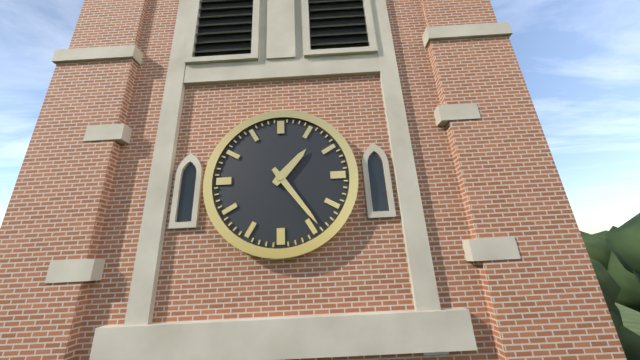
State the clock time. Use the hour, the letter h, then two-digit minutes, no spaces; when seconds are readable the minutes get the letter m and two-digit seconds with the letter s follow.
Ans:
1h24
